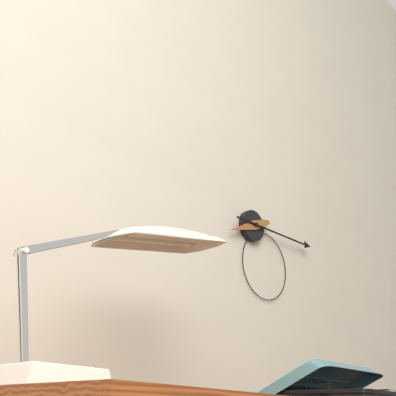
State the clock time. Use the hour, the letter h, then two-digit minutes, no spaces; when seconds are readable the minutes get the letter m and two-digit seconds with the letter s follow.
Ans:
8h15
